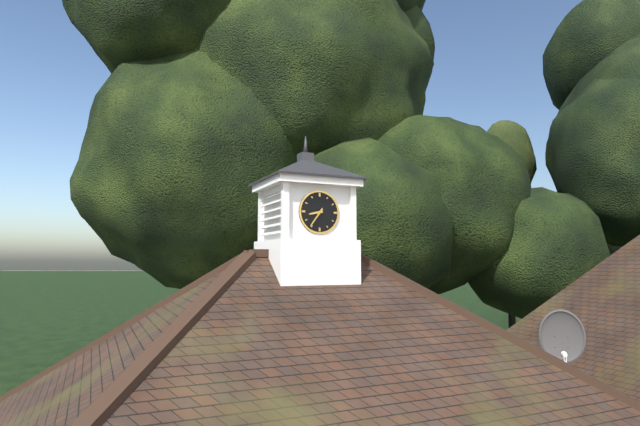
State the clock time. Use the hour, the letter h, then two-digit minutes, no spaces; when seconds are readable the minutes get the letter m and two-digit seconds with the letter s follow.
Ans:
8h36
